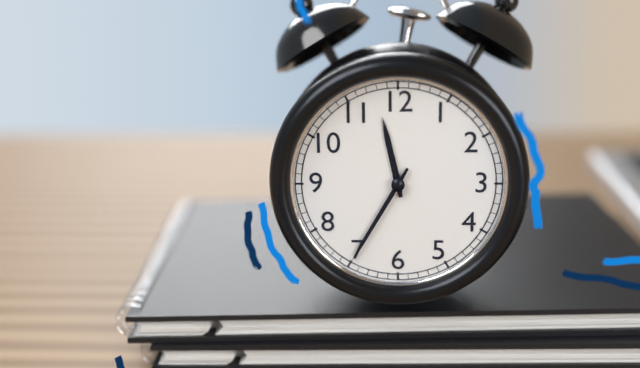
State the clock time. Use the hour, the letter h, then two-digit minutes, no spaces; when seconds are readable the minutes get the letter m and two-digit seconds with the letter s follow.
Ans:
11h35
